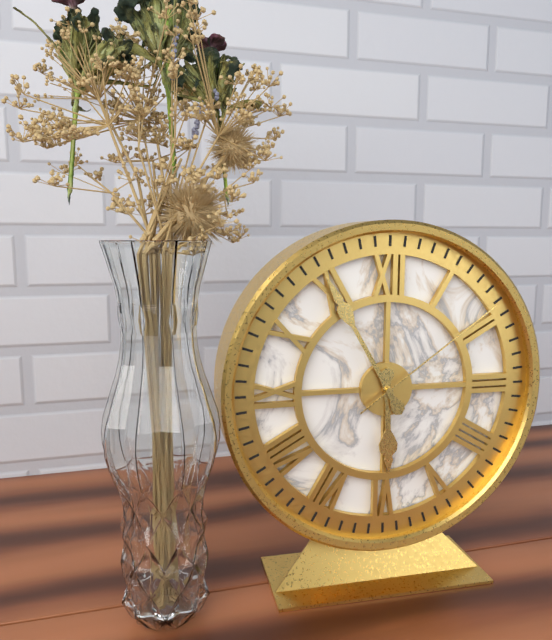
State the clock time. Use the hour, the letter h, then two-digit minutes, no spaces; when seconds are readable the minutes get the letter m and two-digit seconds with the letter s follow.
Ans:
5h55m09s
